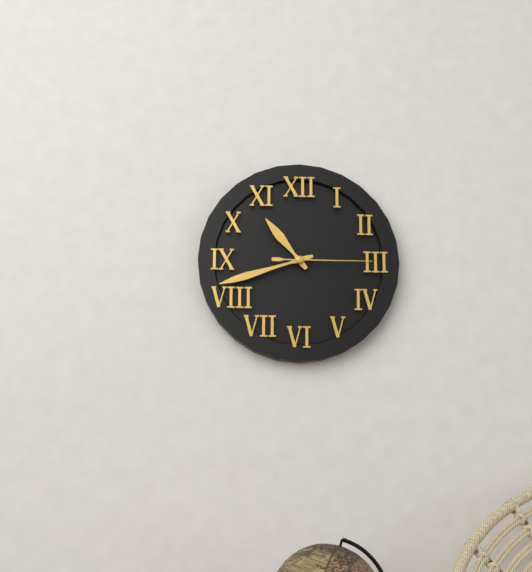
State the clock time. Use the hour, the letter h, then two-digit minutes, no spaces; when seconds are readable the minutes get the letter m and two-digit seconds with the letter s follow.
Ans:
10h42m15s
